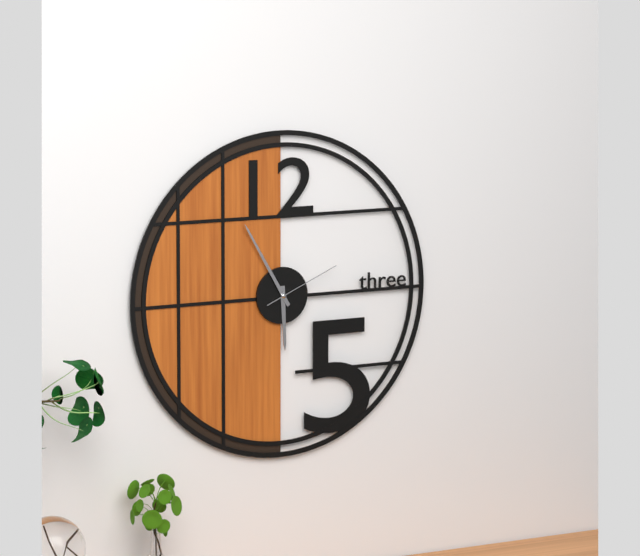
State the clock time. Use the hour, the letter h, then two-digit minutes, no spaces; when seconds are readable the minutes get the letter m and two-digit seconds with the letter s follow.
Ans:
5h55m11s
